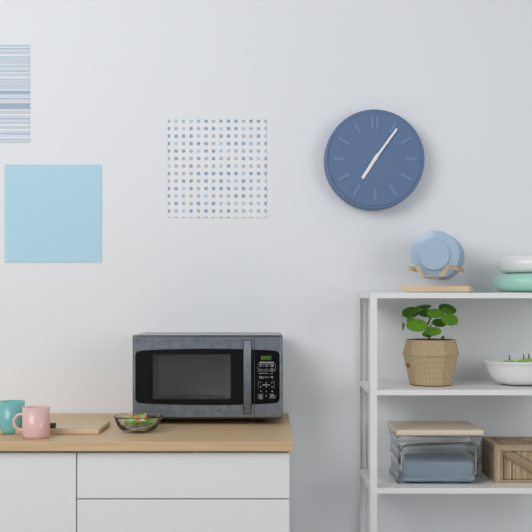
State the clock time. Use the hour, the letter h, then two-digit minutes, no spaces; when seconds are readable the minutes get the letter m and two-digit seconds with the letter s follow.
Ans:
7h06
